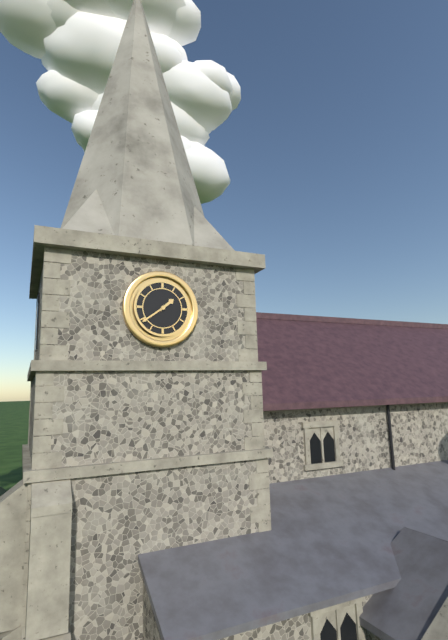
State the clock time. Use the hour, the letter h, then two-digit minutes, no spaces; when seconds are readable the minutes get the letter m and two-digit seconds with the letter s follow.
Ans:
1h39
